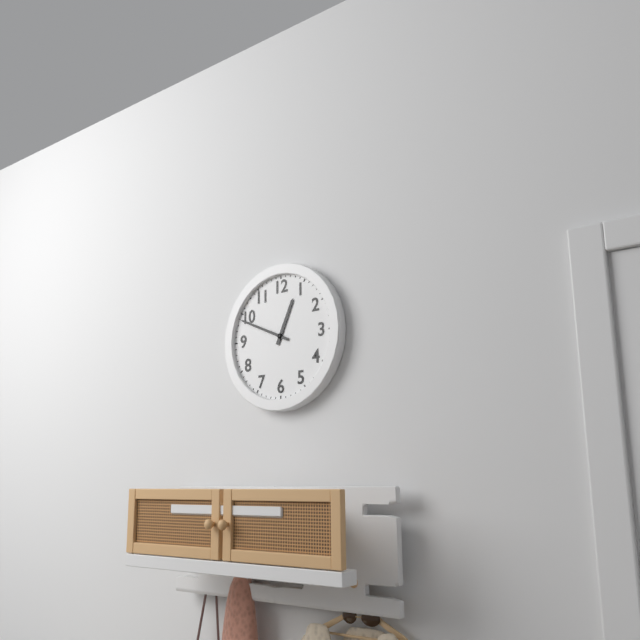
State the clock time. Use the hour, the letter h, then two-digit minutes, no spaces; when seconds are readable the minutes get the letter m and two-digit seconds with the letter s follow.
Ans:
12h49
